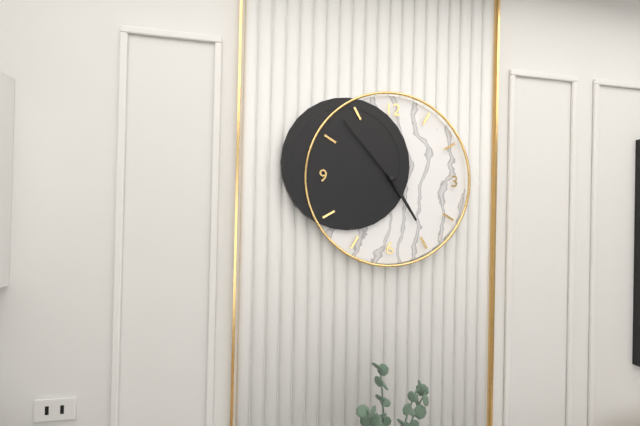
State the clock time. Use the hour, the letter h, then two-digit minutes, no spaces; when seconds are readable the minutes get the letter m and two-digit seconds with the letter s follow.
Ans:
4h53
